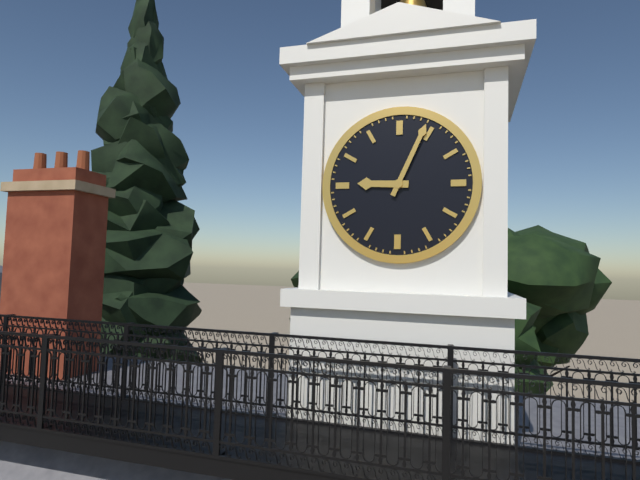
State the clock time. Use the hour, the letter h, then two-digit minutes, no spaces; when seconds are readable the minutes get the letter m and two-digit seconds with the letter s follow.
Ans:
9h04
